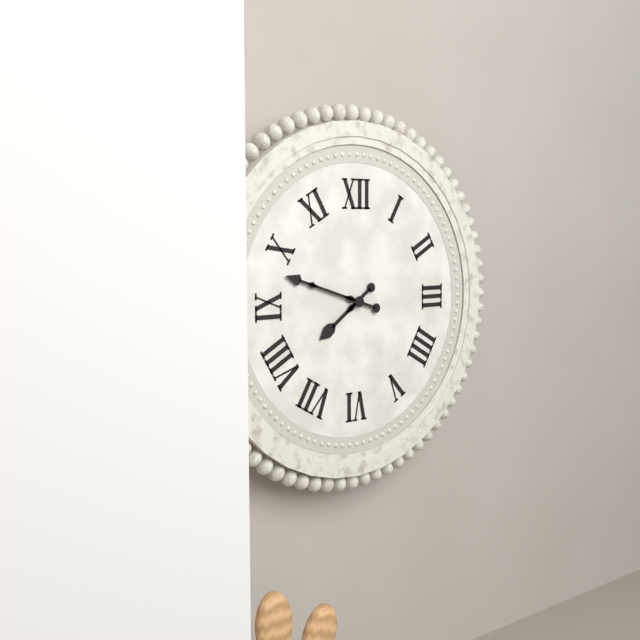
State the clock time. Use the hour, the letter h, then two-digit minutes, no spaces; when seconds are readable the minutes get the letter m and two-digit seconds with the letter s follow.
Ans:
7h48
